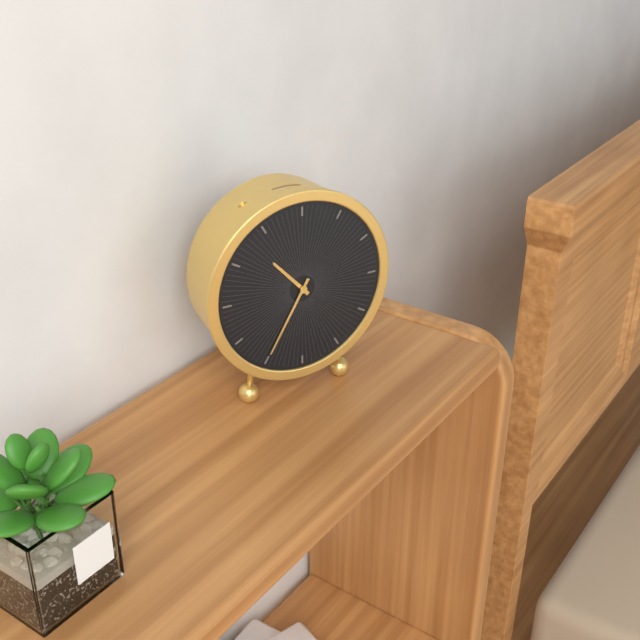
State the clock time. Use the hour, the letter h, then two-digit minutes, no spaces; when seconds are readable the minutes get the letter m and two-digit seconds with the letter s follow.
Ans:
10h35
